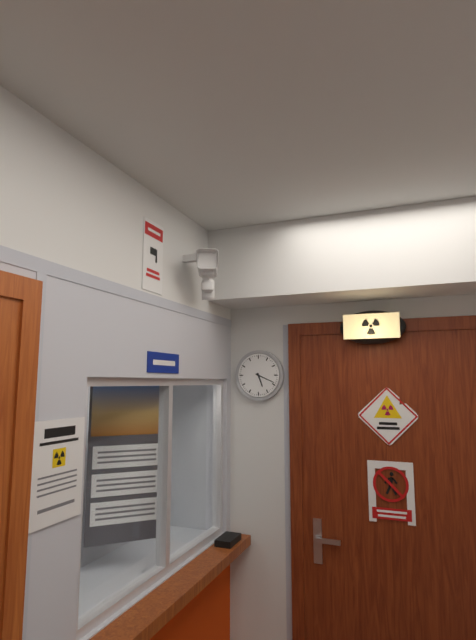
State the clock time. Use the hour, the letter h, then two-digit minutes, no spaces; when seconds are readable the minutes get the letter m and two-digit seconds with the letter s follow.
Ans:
5h19
